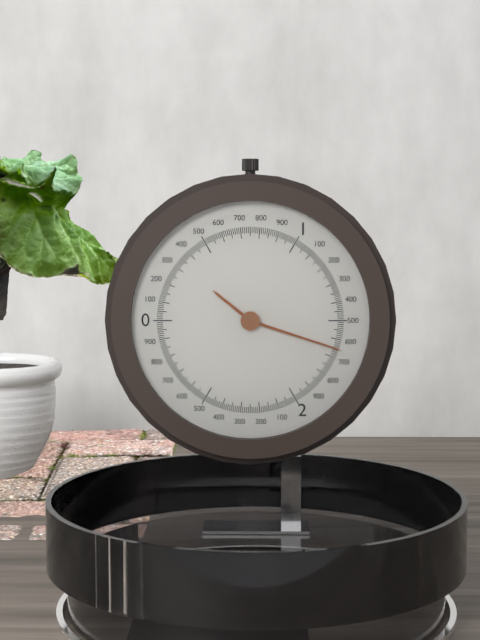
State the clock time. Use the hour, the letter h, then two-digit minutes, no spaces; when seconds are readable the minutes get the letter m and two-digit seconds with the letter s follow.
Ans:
10h18
